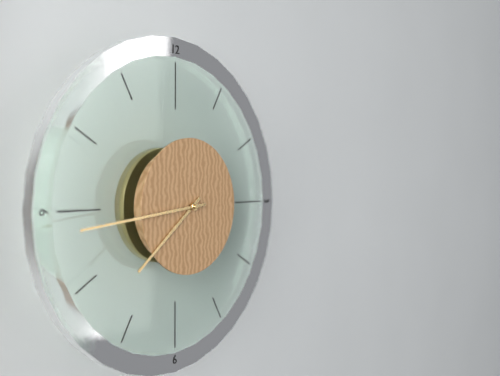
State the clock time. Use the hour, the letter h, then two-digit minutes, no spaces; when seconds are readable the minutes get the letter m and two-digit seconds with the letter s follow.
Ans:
7h44
